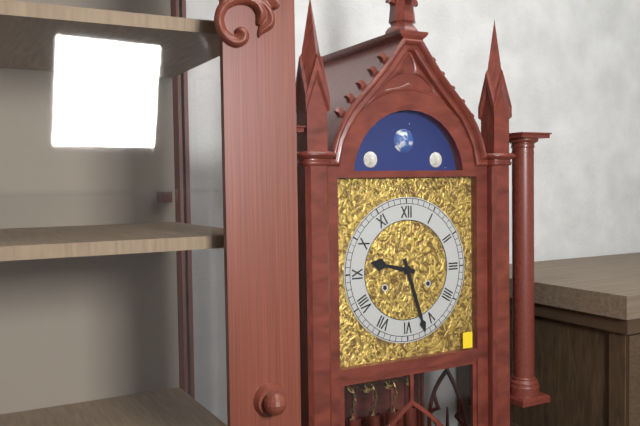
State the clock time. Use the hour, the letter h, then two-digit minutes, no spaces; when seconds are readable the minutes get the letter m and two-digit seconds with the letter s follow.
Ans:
9h27
